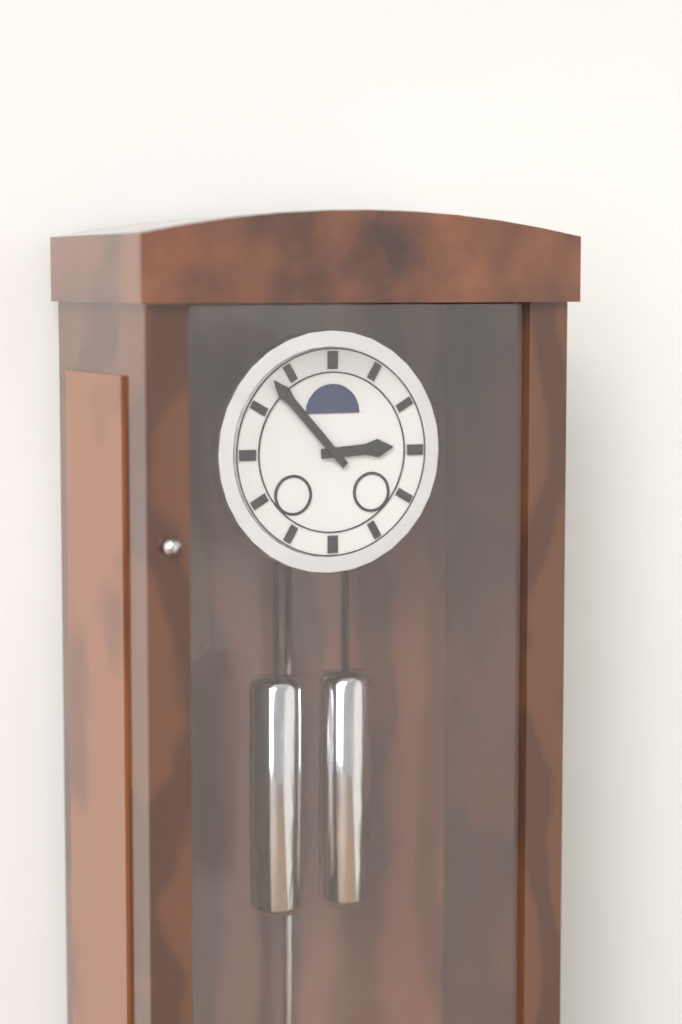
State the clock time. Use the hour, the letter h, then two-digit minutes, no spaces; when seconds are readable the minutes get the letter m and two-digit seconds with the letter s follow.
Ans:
2h53
